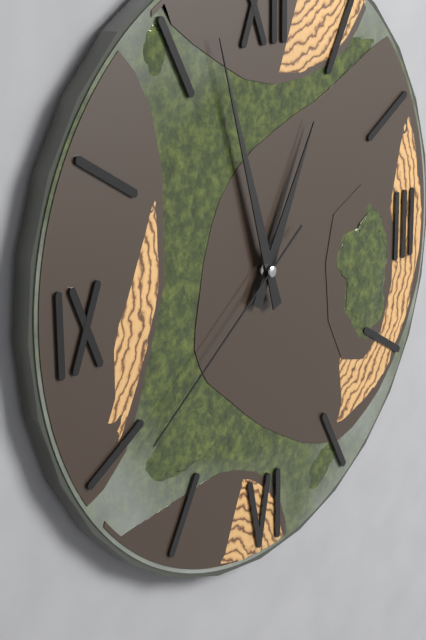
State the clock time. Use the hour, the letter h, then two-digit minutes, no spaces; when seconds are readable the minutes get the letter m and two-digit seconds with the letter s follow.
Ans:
12h57m39s
